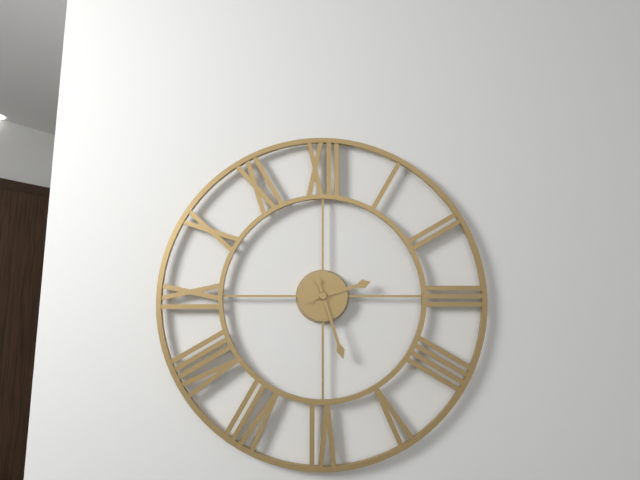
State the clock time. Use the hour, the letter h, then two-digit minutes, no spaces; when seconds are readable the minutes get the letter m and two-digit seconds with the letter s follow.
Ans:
2h27
